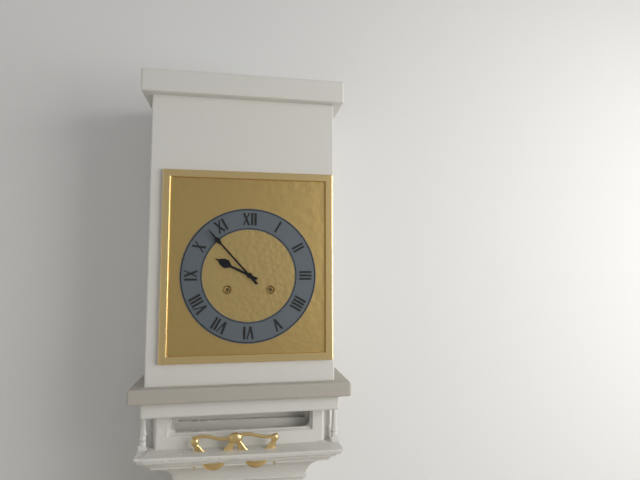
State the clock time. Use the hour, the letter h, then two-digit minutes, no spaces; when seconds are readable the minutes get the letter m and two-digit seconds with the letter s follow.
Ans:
9h53
